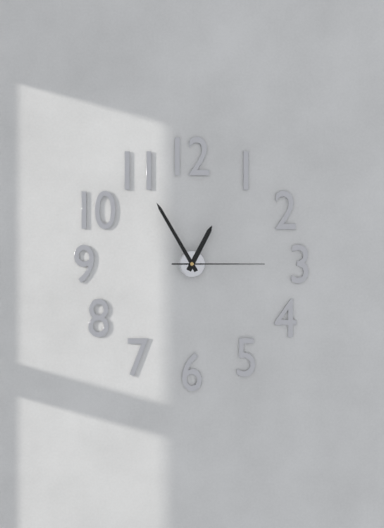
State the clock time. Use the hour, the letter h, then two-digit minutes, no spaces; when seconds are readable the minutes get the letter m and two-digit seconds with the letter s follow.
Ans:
12h55m15s
